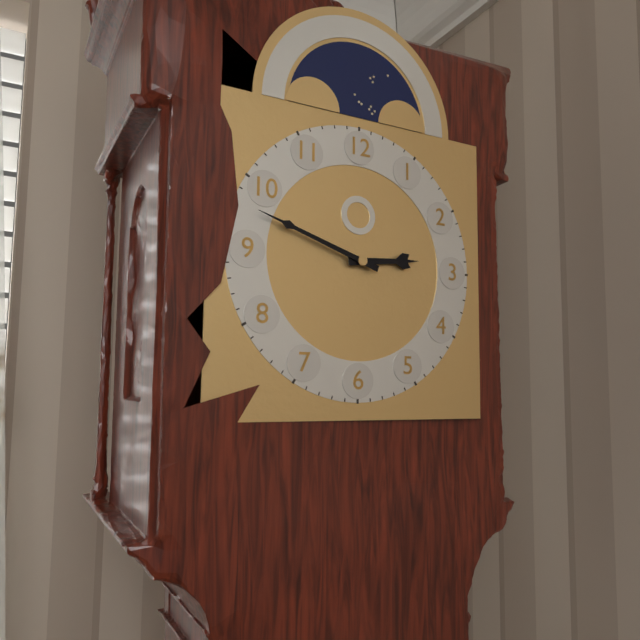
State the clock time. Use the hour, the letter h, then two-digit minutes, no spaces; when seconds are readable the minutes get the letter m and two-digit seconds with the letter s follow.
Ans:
2h48
